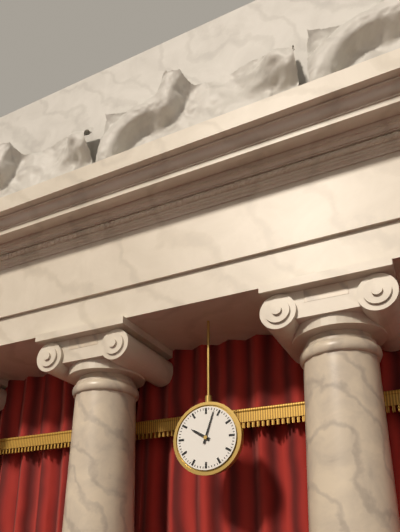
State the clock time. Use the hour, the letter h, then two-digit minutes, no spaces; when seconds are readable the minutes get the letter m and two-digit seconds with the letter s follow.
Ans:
10h03
